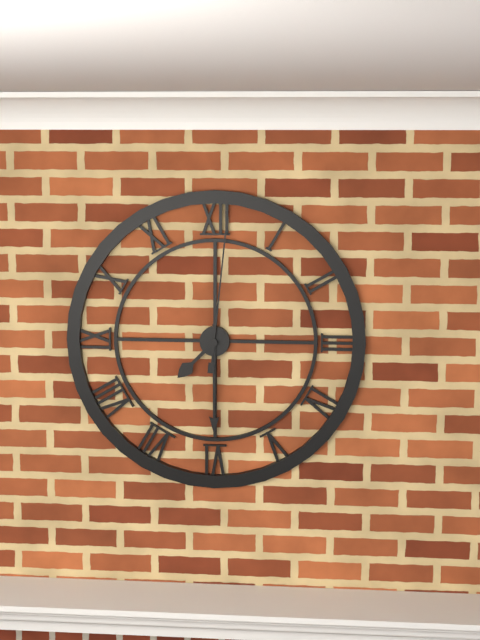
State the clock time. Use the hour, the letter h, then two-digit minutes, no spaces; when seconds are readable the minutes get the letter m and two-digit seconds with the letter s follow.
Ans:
7h30m01s
